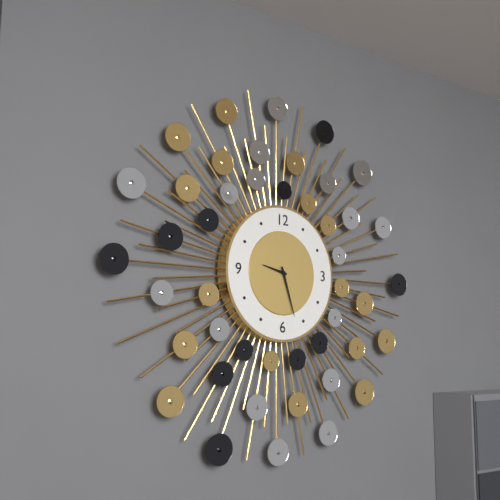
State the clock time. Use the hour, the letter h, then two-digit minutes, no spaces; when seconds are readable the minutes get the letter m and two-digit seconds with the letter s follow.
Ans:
9h27
